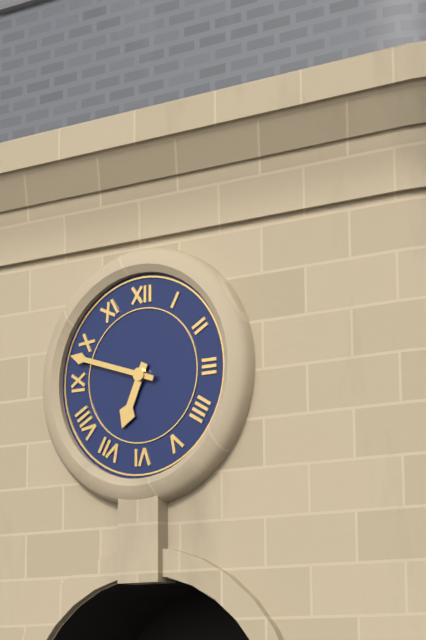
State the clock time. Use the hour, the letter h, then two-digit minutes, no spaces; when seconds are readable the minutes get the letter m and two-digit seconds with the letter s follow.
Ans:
6h48
